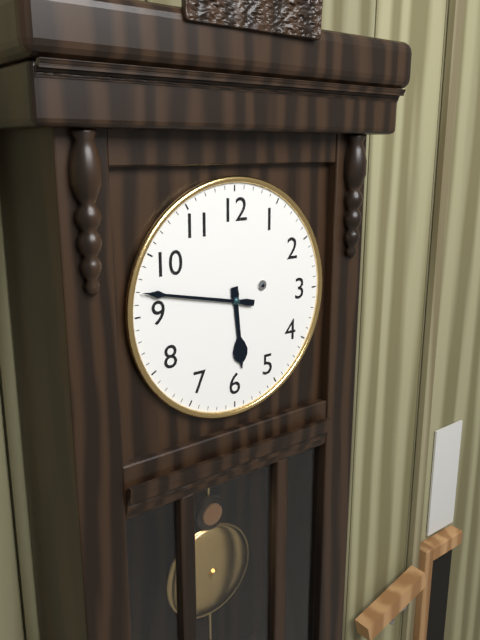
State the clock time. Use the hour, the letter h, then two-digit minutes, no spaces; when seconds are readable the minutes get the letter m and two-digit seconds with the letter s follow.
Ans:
5h47
